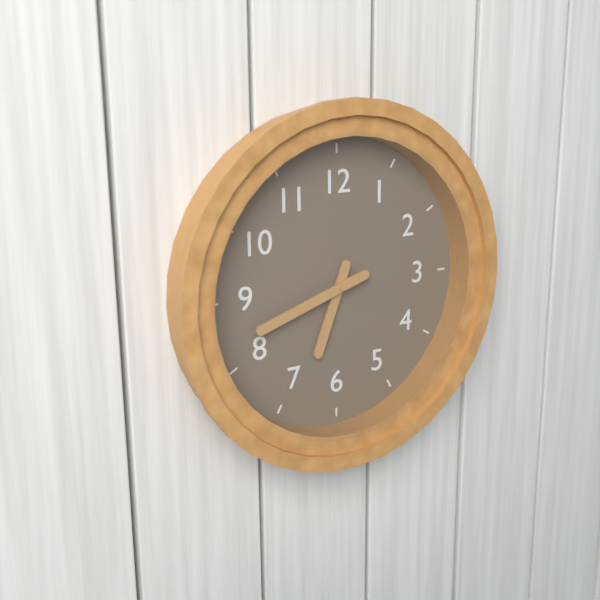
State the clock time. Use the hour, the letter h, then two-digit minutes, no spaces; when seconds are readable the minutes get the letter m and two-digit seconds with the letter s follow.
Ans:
6h42
